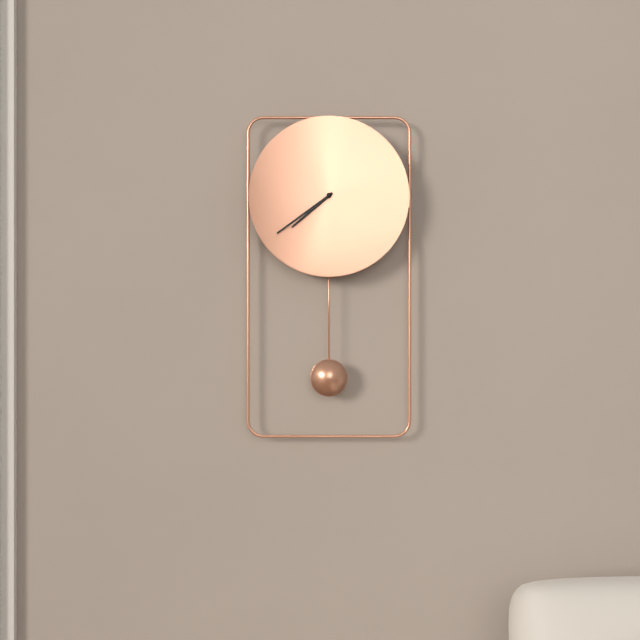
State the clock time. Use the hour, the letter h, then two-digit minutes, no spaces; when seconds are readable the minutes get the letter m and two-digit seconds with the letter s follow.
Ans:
7h39
